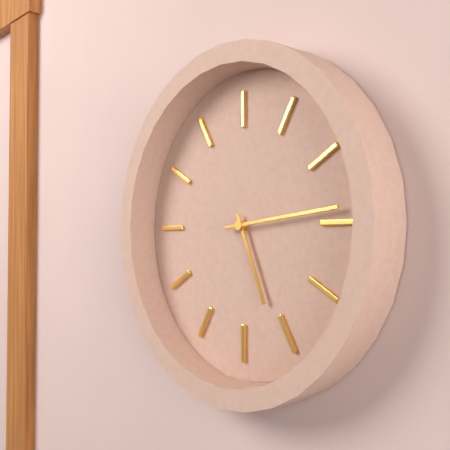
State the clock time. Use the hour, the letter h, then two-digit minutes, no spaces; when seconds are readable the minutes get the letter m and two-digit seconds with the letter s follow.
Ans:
5h14
